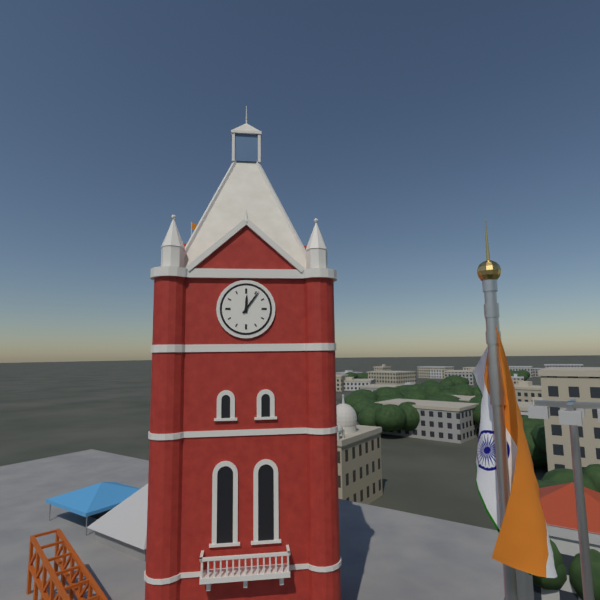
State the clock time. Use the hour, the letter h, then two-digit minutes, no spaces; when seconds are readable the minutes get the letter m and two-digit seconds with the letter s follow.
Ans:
12h06
